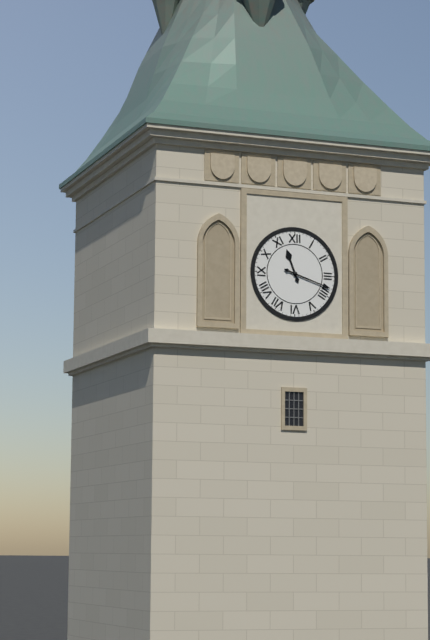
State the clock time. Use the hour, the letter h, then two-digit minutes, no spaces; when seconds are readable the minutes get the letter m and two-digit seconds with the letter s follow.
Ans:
11h18
